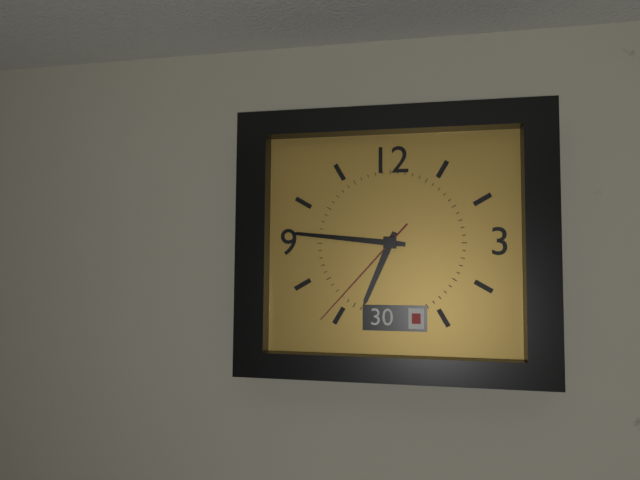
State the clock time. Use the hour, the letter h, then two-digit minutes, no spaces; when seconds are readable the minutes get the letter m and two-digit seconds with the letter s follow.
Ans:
6h46m37s
